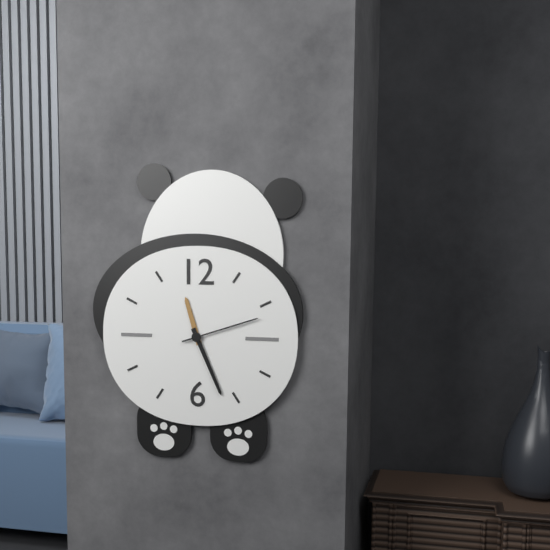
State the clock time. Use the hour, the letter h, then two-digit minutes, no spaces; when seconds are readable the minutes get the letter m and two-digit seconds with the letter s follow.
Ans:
11h26m12s
